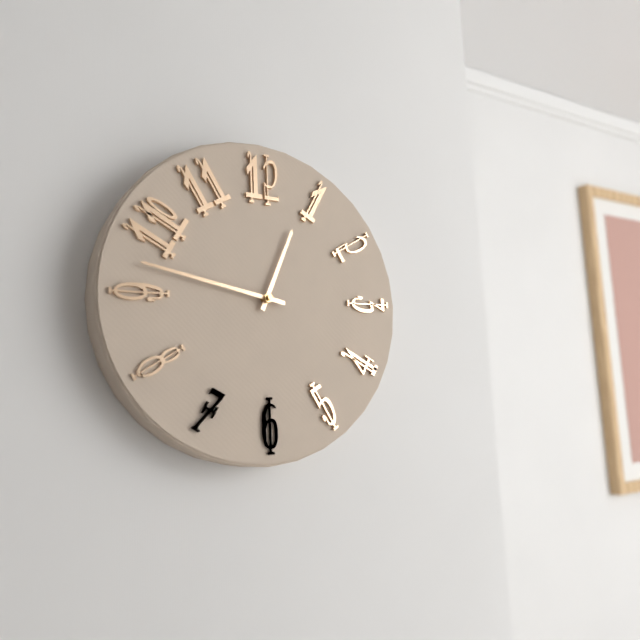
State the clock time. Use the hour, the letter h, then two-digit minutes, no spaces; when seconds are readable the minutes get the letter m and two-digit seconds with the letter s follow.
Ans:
12h47
